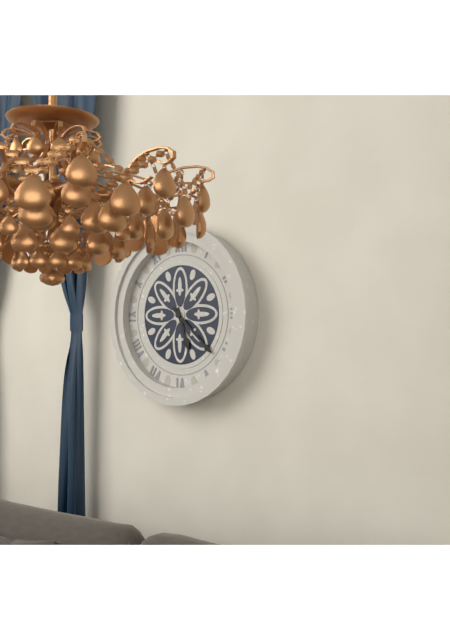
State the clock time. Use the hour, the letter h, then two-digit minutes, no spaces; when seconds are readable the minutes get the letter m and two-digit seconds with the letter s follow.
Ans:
5h22
